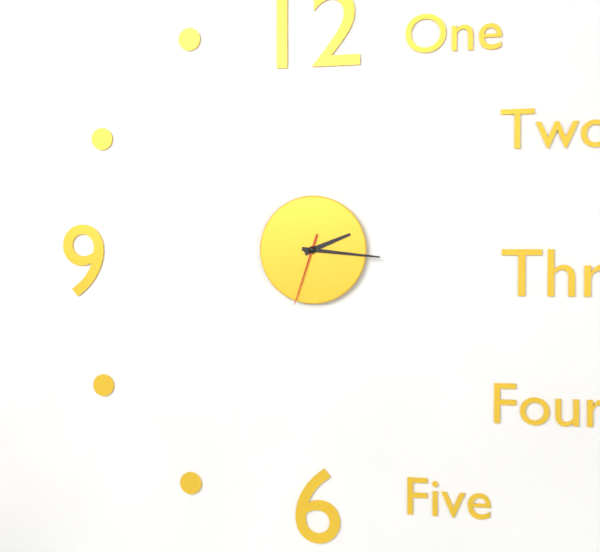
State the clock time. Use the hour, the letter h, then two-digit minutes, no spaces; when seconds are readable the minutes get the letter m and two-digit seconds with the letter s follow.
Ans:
2h16m33s
